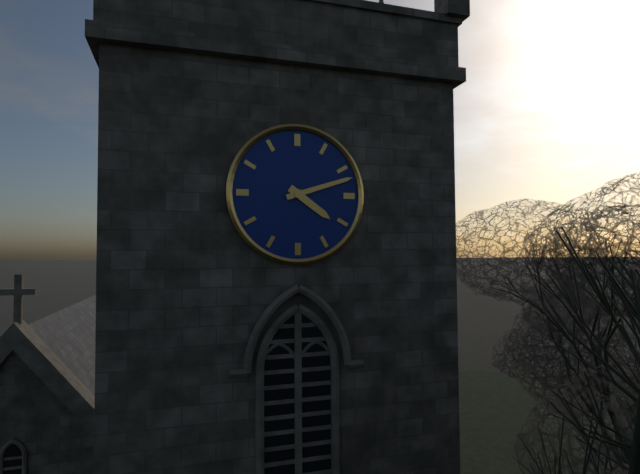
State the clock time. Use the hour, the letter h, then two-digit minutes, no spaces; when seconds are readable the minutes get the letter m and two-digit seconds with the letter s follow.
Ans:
4h12
